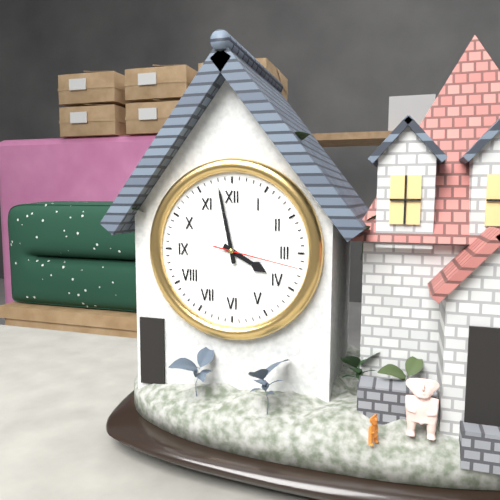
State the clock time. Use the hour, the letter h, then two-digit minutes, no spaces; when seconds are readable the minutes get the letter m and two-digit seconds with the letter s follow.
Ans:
3h58m17s
